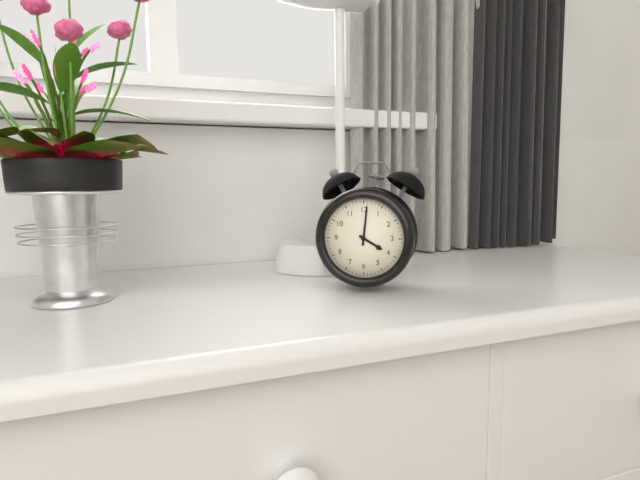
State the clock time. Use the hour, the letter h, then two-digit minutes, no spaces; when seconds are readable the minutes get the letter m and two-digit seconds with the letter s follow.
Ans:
4h01
